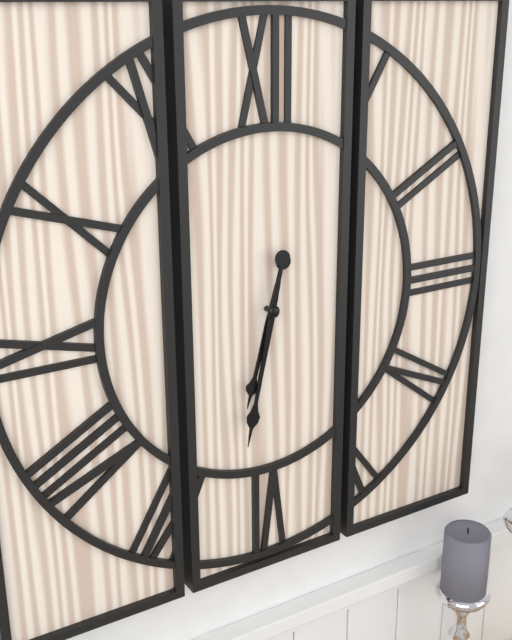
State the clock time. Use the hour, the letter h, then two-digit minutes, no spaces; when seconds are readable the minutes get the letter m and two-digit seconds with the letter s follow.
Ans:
6h32
